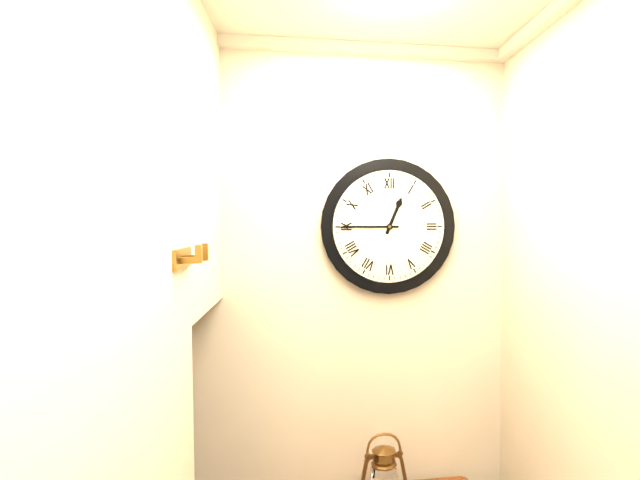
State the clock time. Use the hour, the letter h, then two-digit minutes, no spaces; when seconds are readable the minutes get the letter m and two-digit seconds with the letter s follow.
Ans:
12h45
